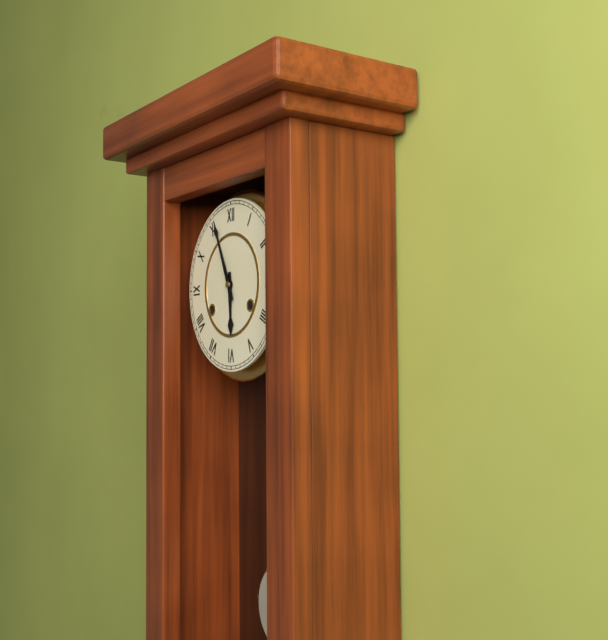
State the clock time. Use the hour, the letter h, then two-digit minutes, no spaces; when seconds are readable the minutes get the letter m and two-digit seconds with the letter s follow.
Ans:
5h56
